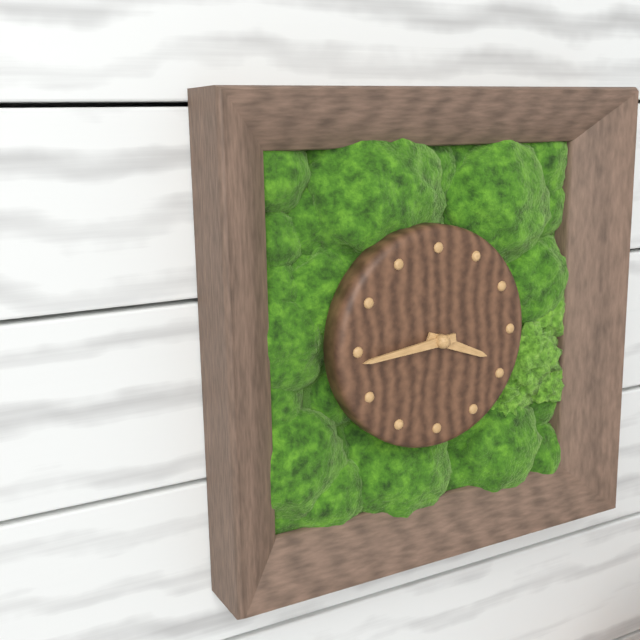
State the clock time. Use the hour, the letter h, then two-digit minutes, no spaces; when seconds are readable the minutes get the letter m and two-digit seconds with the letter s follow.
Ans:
3h44
